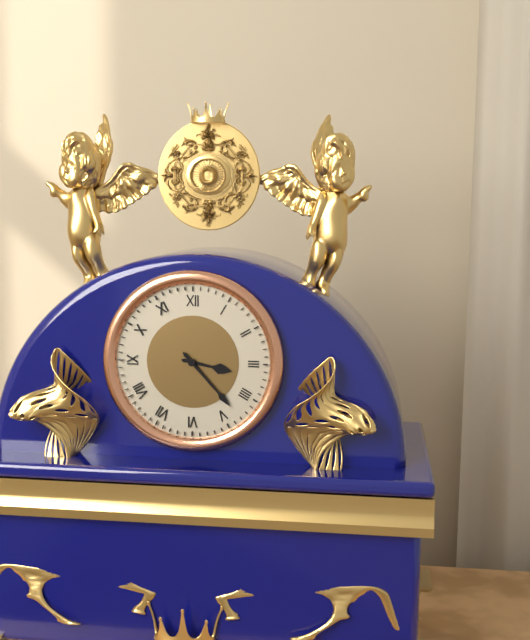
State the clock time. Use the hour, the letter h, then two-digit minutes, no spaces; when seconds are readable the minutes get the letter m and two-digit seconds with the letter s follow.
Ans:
3h23
